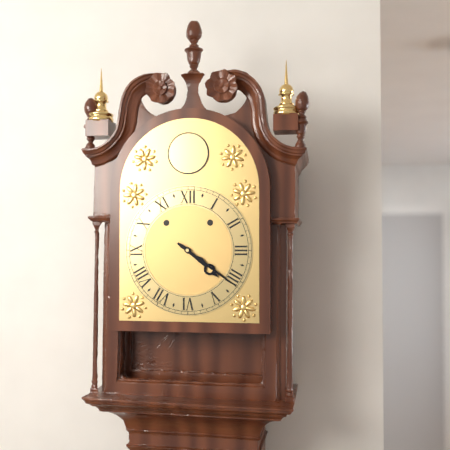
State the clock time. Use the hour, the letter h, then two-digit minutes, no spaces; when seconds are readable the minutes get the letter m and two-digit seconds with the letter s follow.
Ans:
4h21
